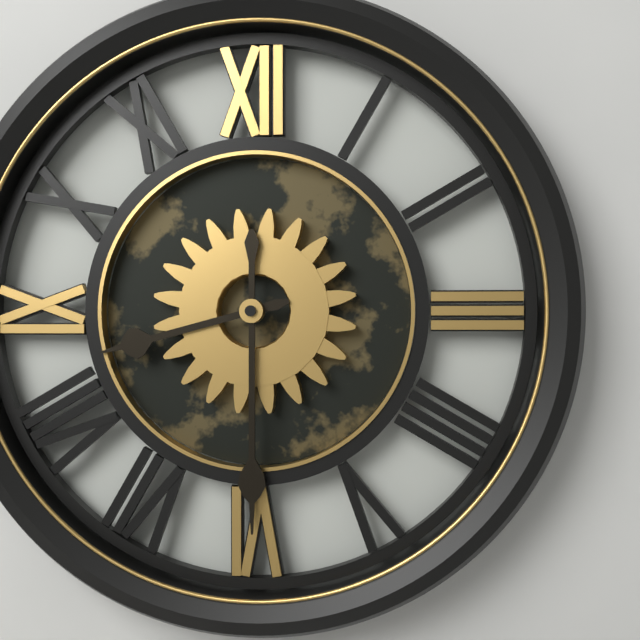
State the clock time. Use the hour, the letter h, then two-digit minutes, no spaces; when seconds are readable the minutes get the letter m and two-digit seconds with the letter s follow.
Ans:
8h30
